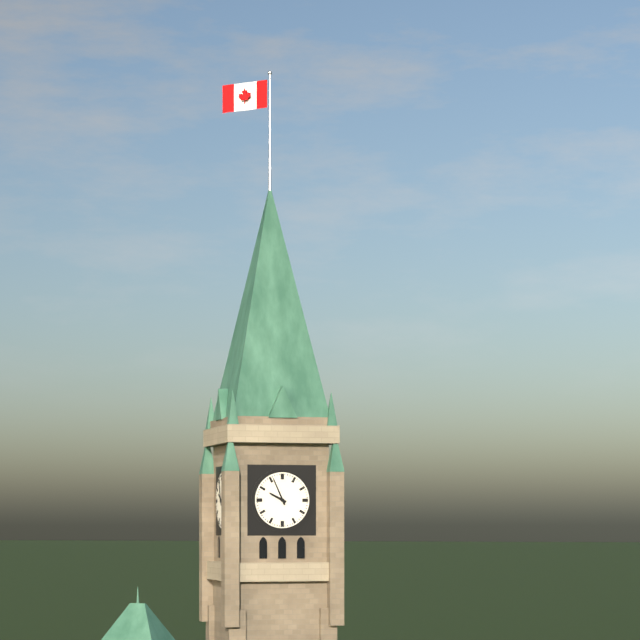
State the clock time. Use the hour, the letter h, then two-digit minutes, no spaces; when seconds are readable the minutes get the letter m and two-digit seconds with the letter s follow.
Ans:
9h56
